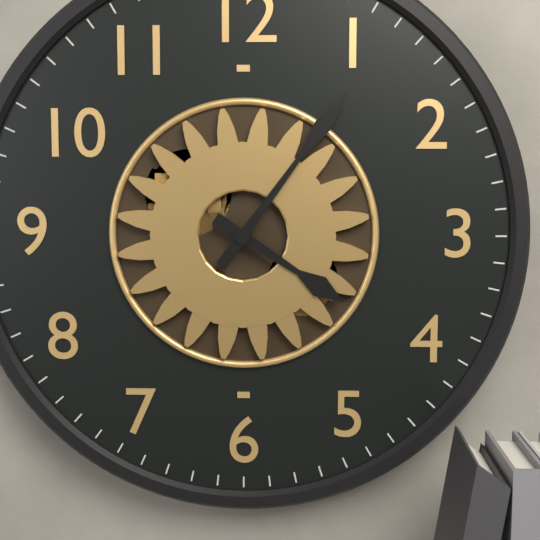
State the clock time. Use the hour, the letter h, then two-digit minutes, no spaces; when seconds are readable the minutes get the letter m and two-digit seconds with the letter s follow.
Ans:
4h06
